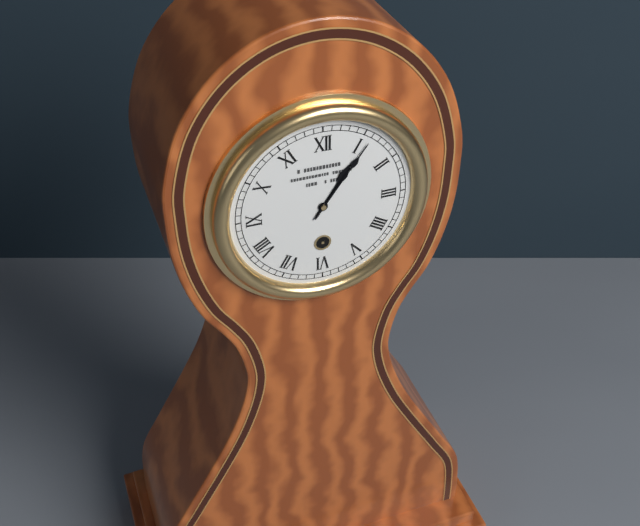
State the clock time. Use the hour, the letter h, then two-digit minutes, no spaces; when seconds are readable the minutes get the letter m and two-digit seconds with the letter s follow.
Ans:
1h06
